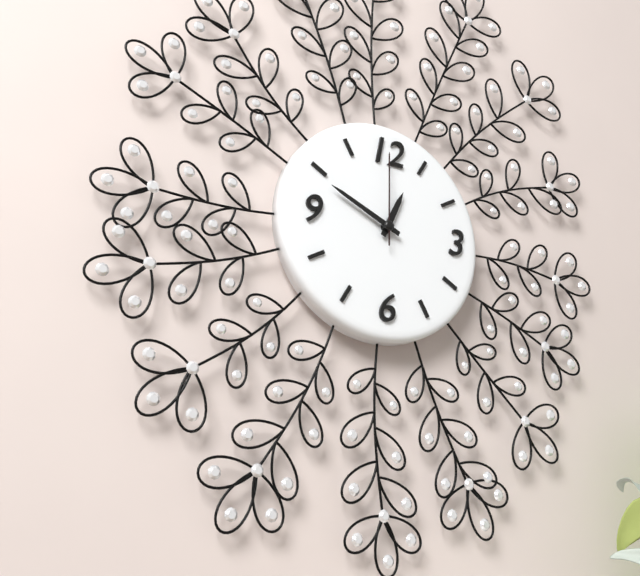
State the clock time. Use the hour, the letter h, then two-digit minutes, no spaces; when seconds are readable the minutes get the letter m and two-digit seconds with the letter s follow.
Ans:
12h49m00s
